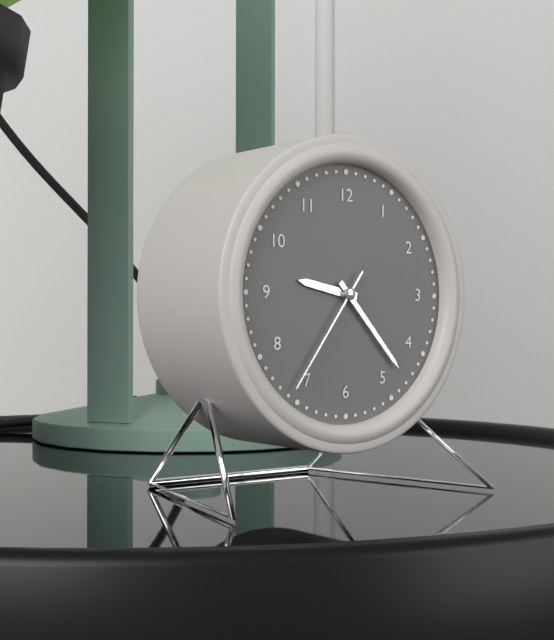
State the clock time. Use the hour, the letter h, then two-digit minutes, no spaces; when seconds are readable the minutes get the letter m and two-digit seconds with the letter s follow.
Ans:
9h23m36s
